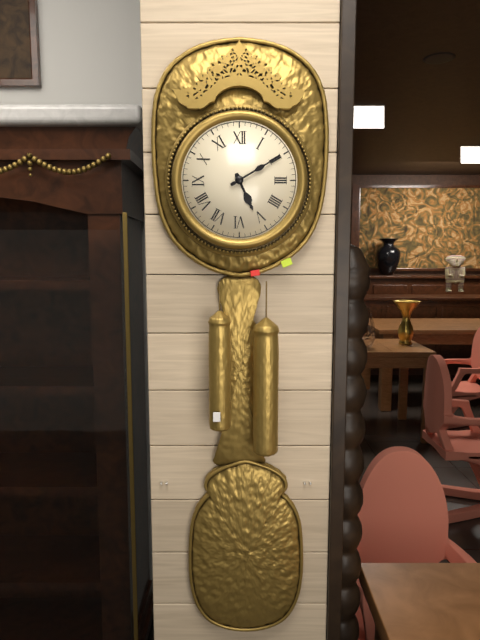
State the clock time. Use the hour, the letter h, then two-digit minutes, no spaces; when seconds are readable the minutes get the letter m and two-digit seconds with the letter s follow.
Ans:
5h10
